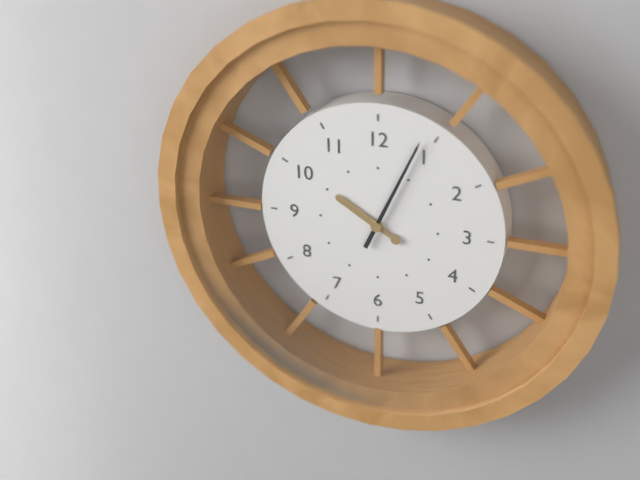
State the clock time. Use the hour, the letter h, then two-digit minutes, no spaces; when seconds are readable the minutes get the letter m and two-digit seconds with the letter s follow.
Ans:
10h04
